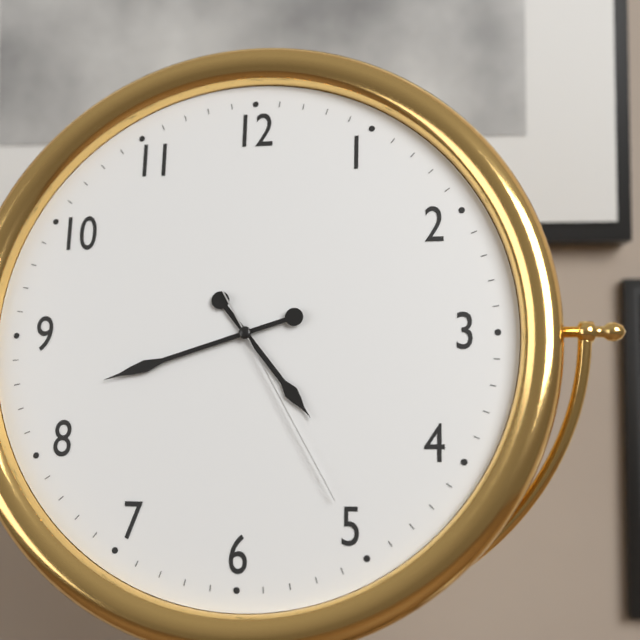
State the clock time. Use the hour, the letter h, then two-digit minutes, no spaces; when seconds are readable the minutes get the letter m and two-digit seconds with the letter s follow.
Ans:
4h42m25s
